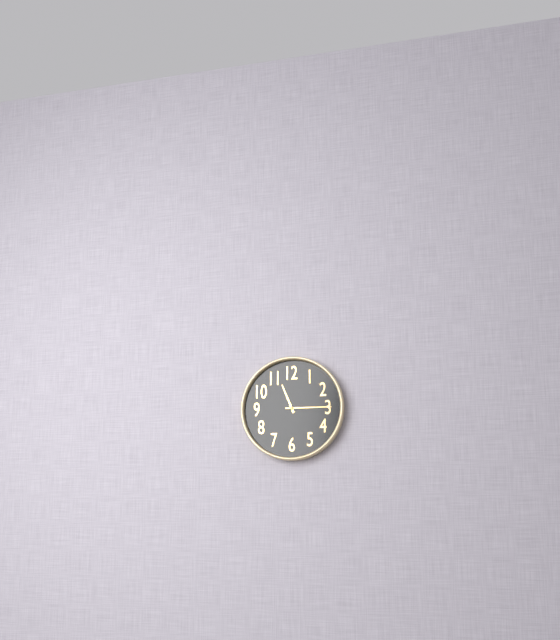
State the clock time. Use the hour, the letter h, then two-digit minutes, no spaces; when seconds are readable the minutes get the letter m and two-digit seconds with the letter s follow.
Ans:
11h15
